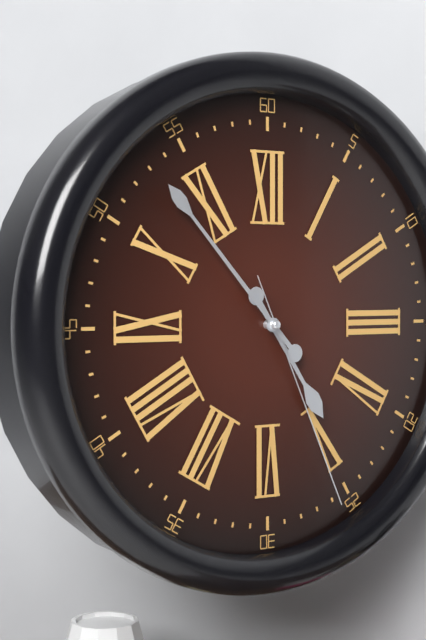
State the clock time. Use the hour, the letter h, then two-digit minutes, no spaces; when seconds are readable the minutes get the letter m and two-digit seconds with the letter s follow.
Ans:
4h53m26s
